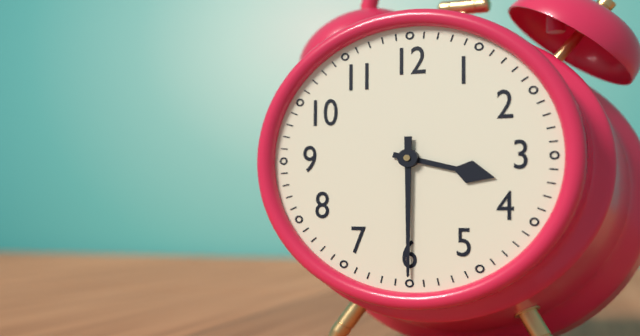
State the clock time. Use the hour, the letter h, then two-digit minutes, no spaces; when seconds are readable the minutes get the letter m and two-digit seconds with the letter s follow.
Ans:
3h30
